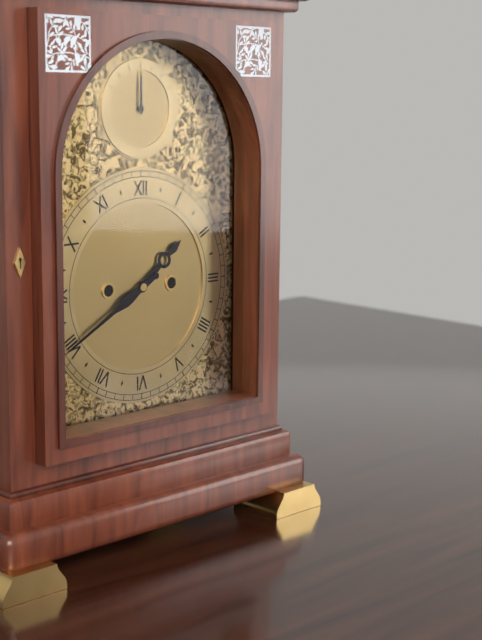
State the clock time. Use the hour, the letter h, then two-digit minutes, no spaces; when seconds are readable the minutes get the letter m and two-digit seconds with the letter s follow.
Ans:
1h40
